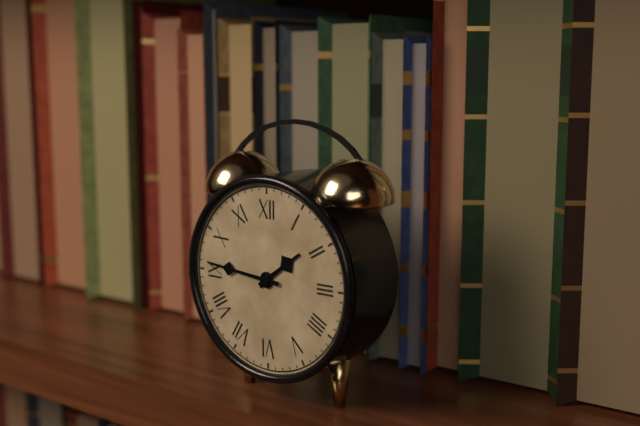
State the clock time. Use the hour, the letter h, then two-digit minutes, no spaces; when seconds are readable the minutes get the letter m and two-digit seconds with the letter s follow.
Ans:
1h46
